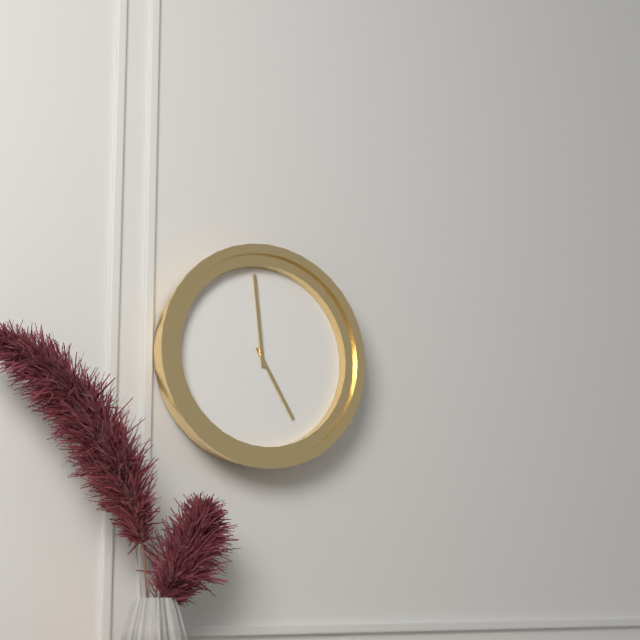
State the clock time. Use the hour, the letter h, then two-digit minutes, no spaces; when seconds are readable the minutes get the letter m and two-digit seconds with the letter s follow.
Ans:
4h59
